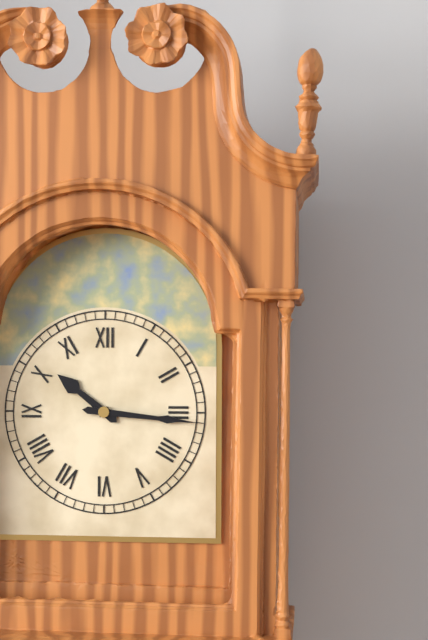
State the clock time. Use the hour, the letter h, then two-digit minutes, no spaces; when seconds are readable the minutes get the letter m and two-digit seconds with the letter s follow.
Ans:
10h16
